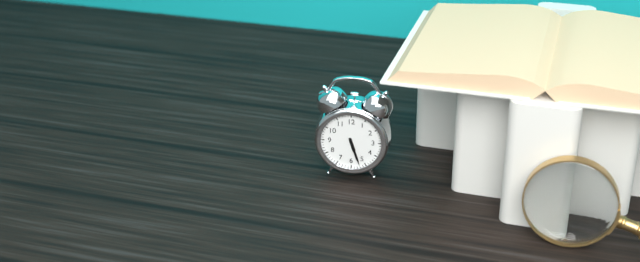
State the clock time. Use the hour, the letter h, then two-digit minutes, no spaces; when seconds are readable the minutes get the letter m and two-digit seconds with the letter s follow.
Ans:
5h27
